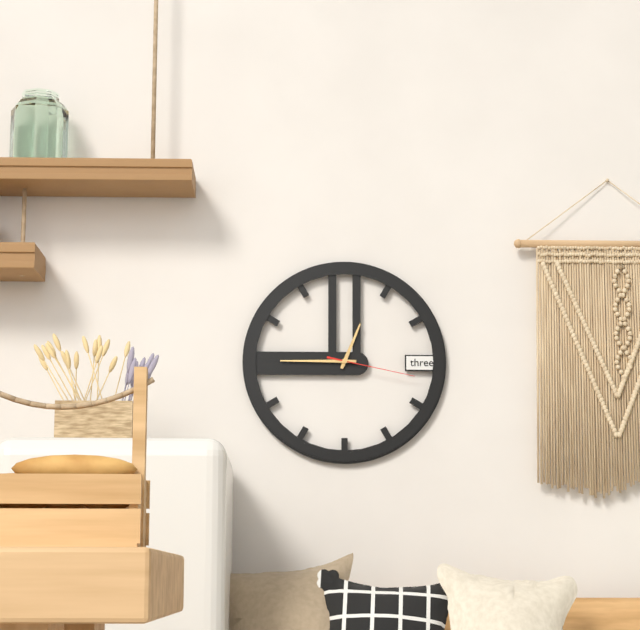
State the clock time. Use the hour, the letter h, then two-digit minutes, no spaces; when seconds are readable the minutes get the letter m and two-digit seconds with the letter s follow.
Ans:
12h45m17s
